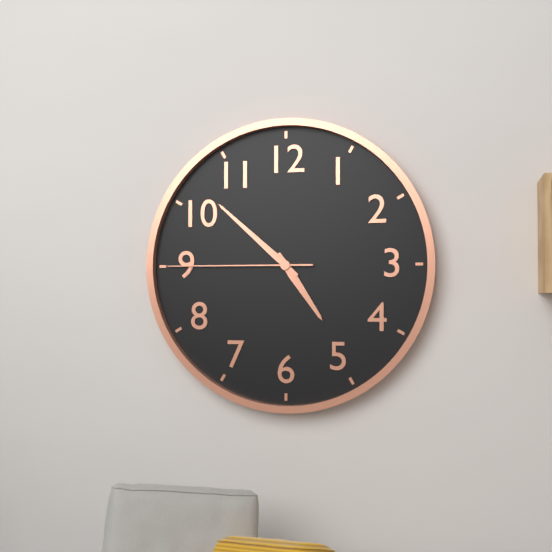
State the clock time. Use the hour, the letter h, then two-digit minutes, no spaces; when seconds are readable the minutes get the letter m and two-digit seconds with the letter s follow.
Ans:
4h52m45s
